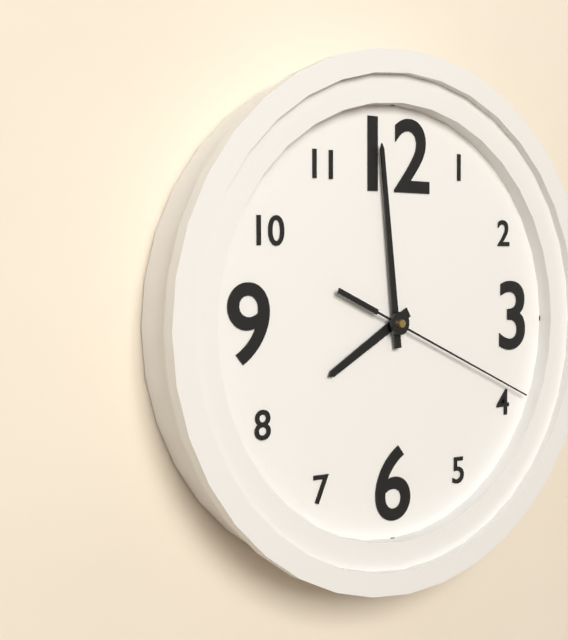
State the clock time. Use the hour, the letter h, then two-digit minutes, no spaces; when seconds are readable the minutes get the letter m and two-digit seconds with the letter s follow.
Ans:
7h59m19s
